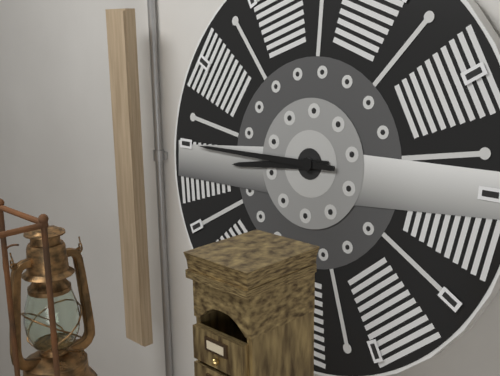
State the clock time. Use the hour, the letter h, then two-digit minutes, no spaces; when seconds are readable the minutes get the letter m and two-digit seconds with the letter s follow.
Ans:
8h45
